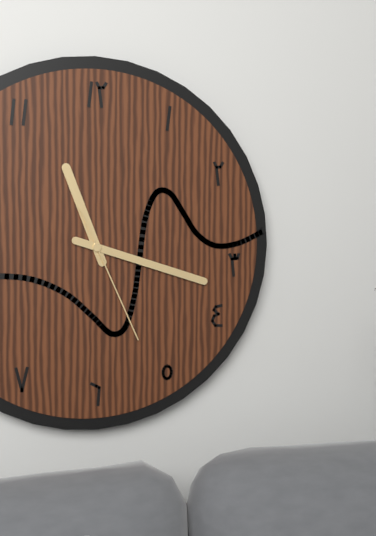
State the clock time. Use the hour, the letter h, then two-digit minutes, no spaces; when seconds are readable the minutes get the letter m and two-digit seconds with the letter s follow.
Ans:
11h18m26s
